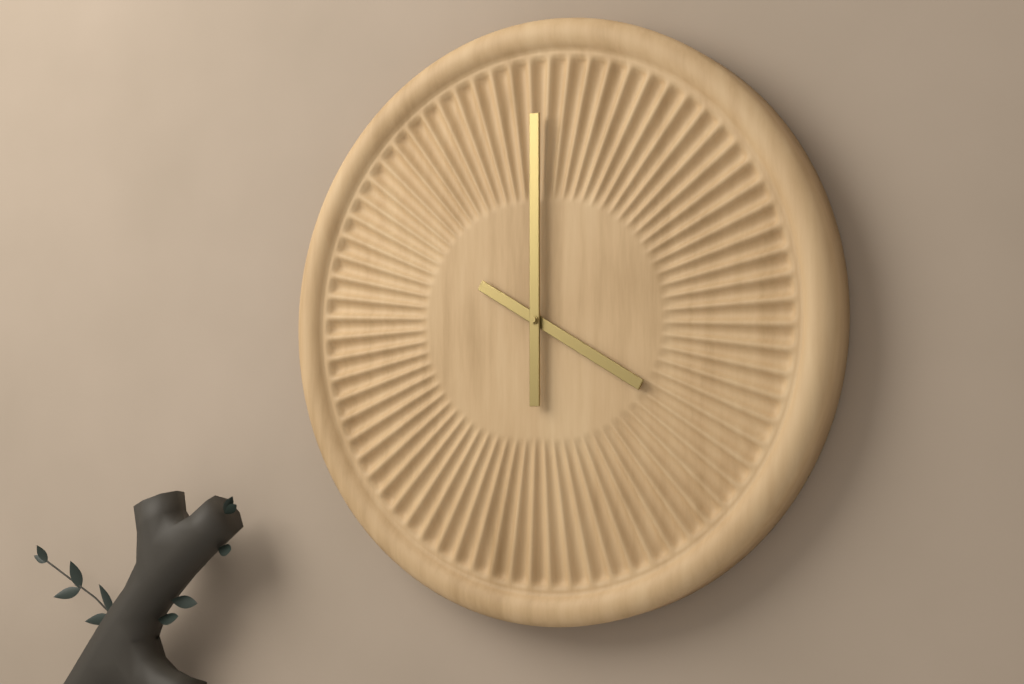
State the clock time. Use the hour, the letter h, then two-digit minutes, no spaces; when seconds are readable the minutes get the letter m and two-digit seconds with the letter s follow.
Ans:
4h00
